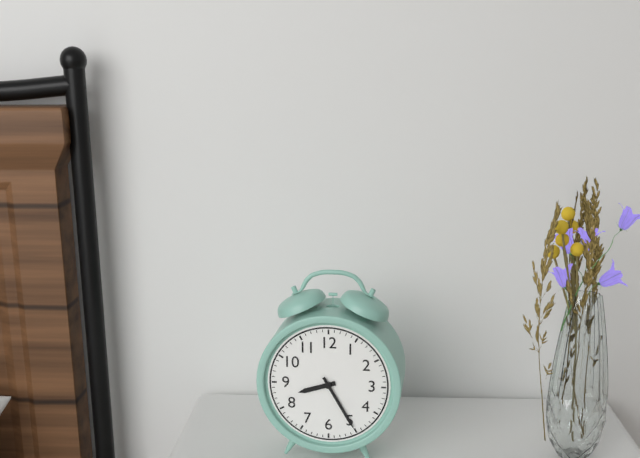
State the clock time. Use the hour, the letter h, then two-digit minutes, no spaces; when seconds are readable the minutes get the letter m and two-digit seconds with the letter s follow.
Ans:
8h25
